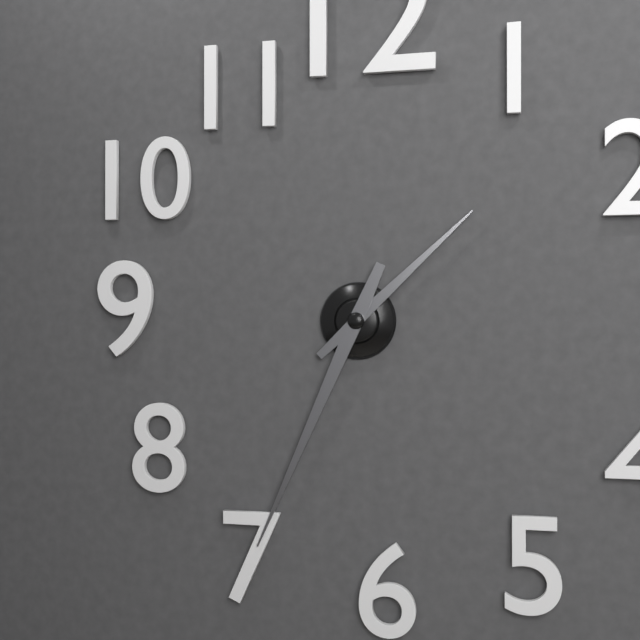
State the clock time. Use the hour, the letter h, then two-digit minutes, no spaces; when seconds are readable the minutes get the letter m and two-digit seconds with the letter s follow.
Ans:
1h34
